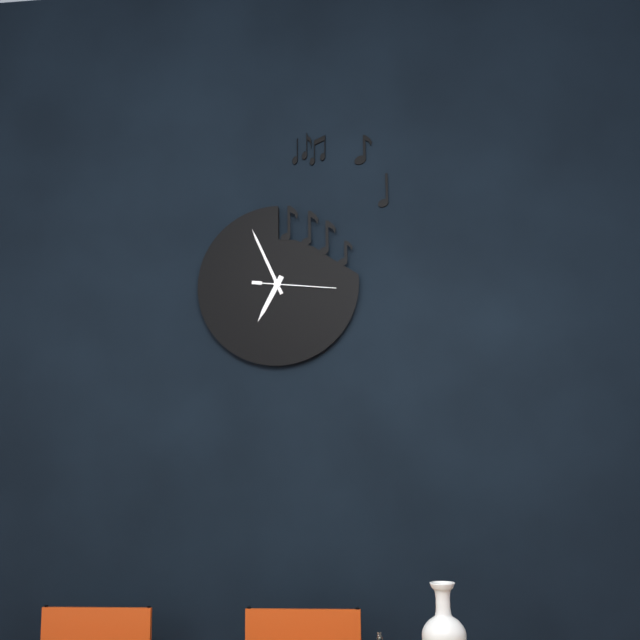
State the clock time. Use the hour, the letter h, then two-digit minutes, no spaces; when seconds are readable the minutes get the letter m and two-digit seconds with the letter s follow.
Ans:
6h56m16s
